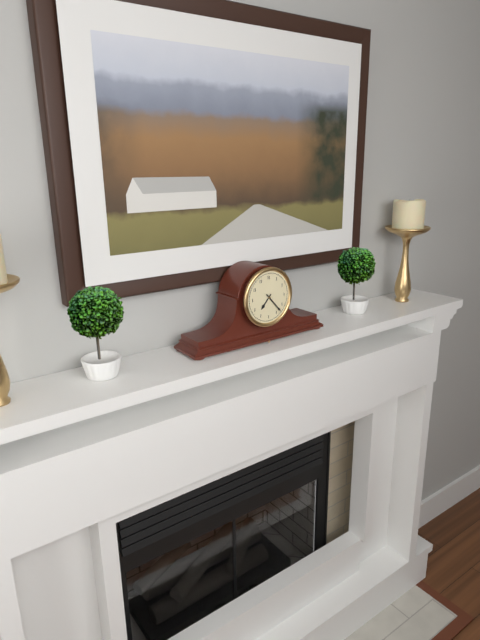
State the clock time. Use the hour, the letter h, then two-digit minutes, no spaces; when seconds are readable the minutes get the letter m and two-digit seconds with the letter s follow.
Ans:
7h23
